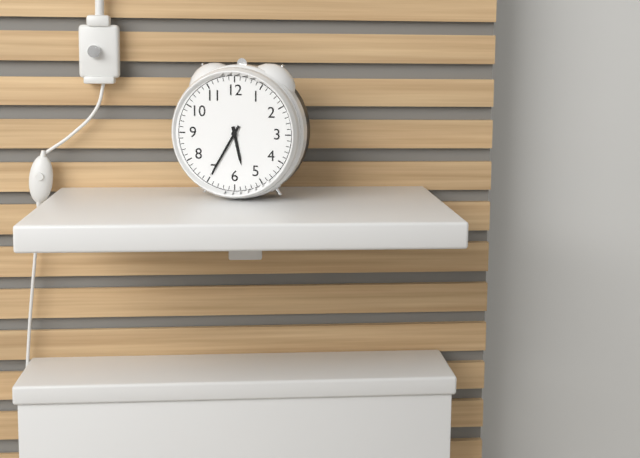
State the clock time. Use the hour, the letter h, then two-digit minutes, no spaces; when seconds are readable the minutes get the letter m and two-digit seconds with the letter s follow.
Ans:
5h35
